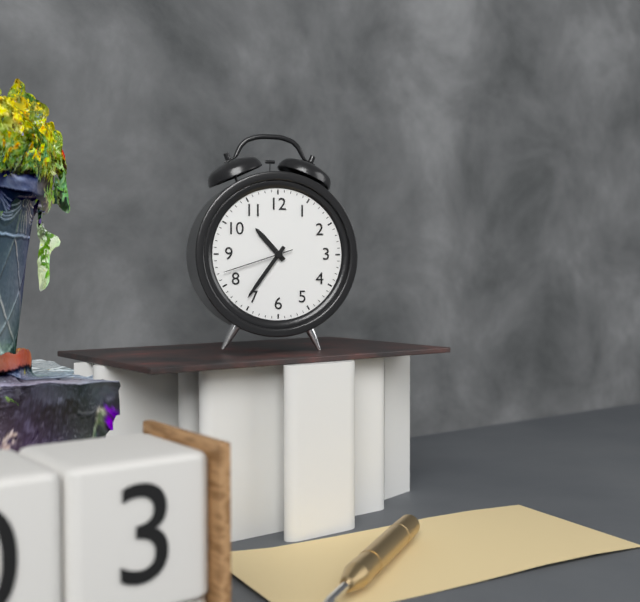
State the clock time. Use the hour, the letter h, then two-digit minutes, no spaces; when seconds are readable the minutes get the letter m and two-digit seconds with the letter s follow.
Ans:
10h36m42s
